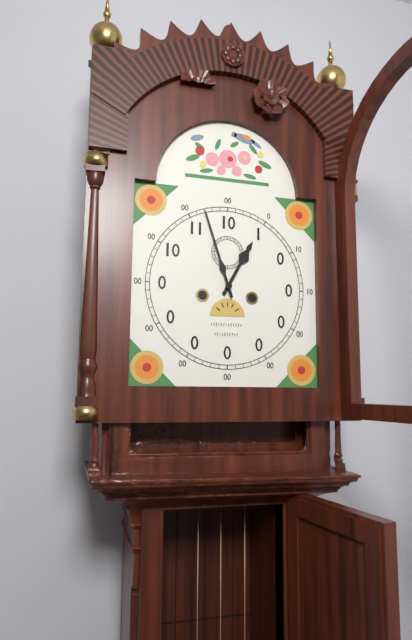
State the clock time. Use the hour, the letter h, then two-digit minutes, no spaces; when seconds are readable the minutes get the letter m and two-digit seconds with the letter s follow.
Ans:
12h57
